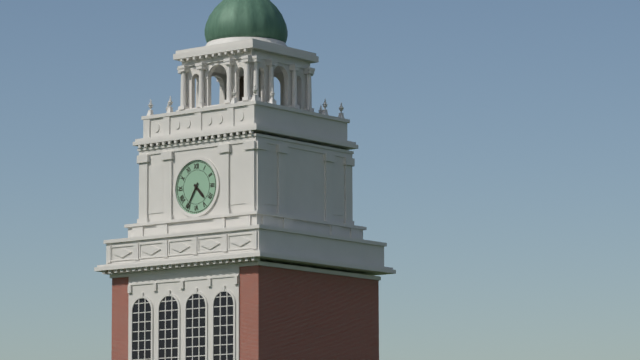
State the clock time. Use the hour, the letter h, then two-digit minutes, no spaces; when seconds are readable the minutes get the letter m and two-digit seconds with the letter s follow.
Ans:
4h35
